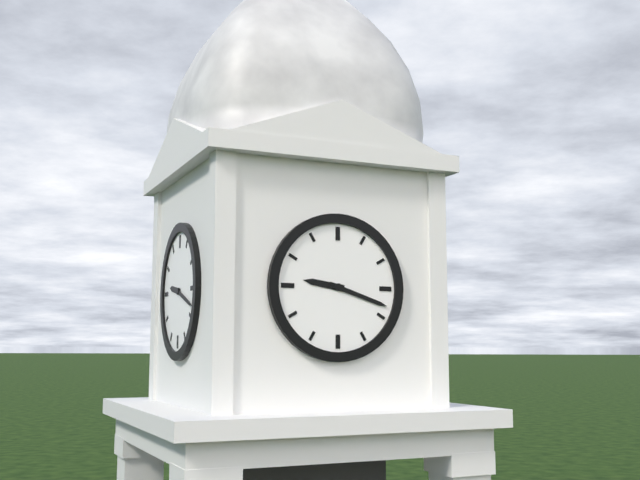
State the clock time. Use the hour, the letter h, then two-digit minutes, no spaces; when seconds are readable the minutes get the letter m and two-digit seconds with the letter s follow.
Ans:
9h18
